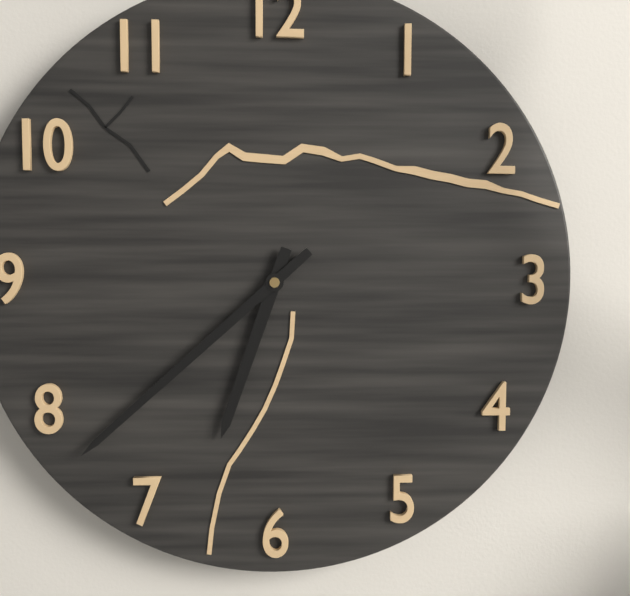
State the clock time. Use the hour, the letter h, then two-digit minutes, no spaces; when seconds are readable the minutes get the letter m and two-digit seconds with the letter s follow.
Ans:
6h38
